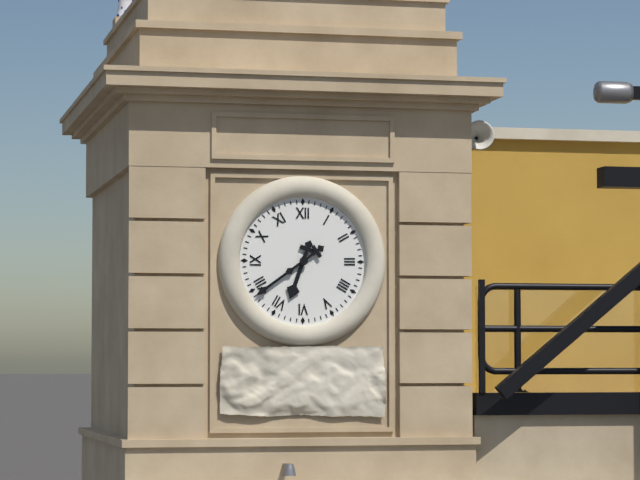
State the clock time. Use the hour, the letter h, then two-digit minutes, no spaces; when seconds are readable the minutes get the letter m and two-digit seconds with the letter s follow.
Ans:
6h39
